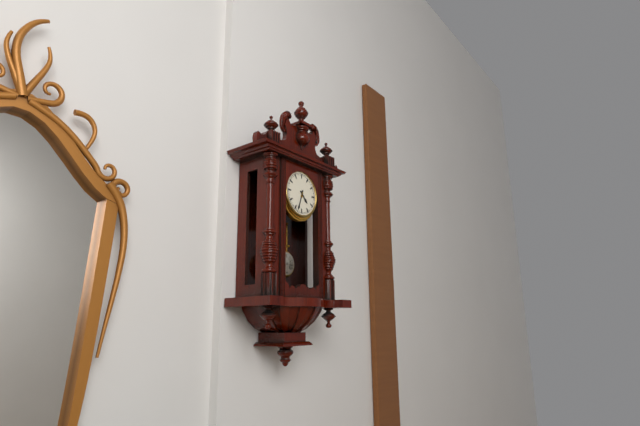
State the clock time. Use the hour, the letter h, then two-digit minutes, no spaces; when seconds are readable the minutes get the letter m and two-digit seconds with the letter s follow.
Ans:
4h33
